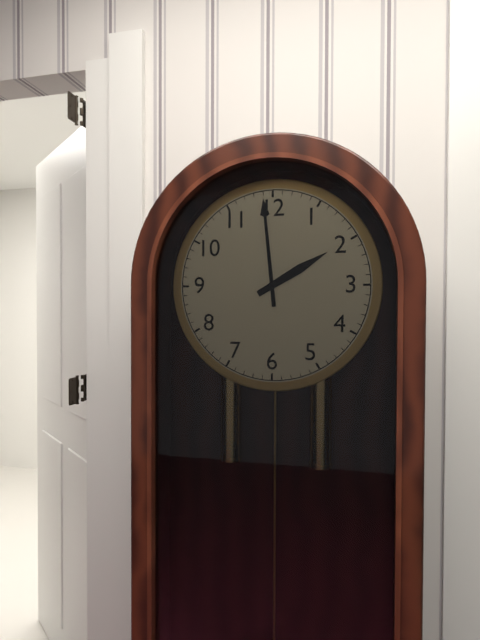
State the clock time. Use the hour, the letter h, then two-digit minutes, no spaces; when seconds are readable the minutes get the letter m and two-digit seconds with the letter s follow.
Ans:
1h59
